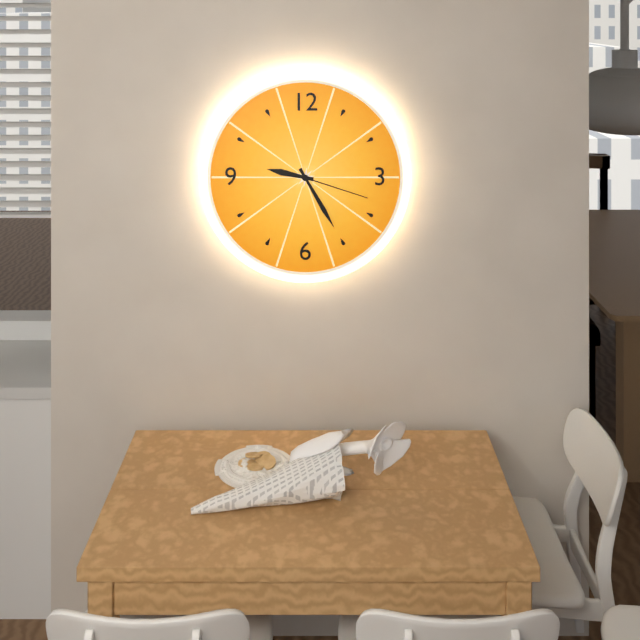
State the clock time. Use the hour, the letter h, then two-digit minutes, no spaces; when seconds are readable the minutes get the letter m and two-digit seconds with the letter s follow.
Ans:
9h25m18s
